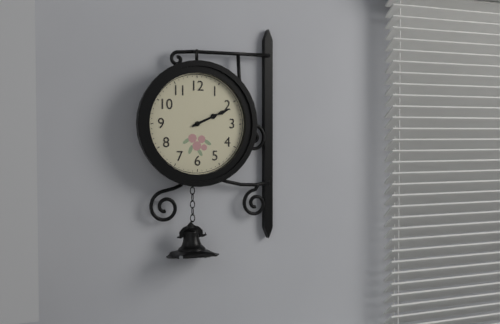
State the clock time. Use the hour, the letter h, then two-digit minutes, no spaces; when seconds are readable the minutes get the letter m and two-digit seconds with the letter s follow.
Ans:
2h11
